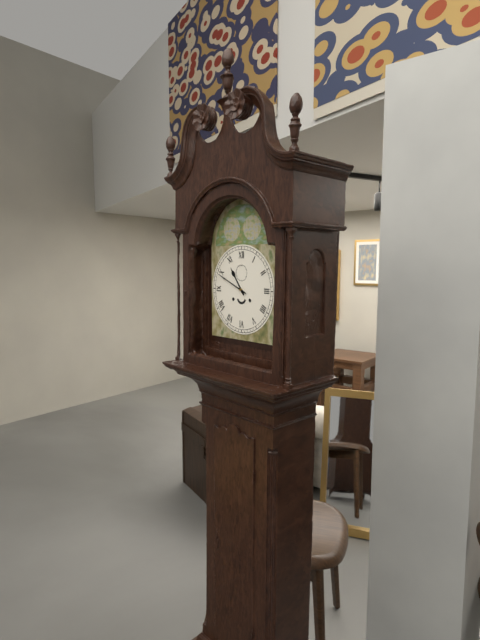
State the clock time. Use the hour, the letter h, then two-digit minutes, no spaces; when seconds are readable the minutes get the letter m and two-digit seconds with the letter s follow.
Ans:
10h49
